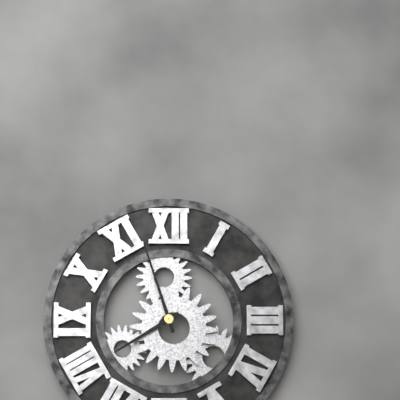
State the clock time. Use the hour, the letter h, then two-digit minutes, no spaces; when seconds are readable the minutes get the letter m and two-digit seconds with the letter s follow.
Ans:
7h57
